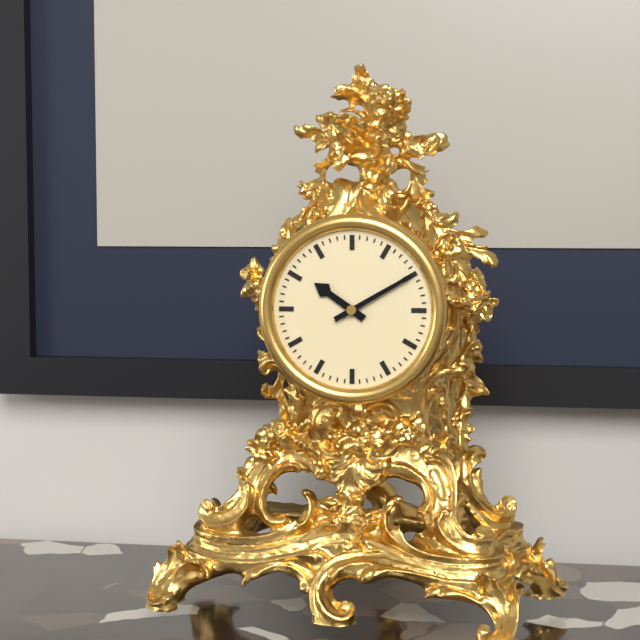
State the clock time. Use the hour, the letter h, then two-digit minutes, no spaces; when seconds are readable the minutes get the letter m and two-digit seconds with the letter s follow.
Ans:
10h10
